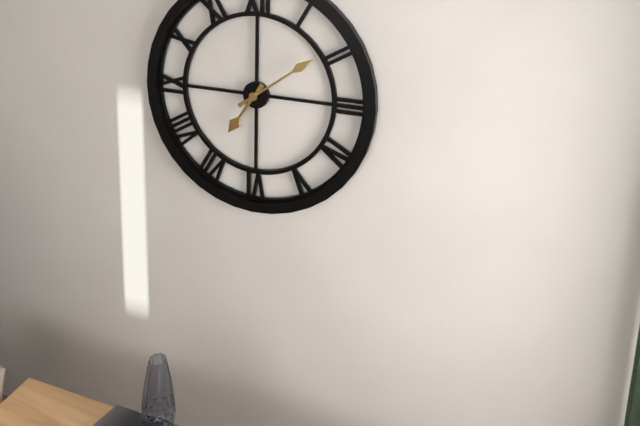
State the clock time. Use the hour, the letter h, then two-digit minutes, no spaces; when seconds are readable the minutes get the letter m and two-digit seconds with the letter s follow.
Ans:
7h09
